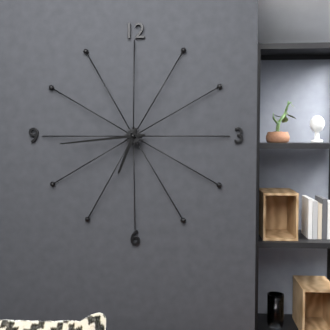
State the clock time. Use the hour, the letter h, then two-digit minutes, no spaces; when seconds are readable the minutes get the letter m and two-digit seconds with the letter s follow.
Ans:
6h44
